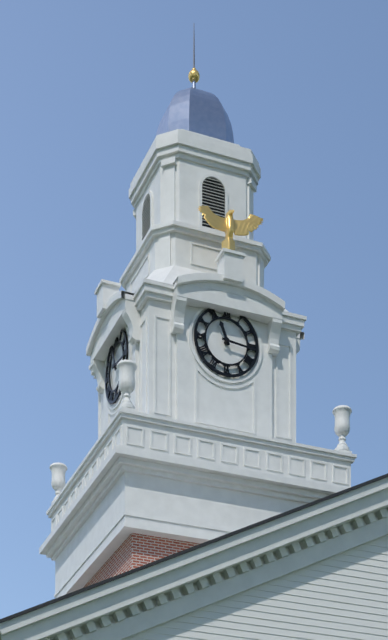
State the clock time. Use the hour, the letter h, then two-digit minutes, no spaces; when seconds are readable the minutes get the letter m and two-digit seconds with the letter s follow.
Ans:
11h16
